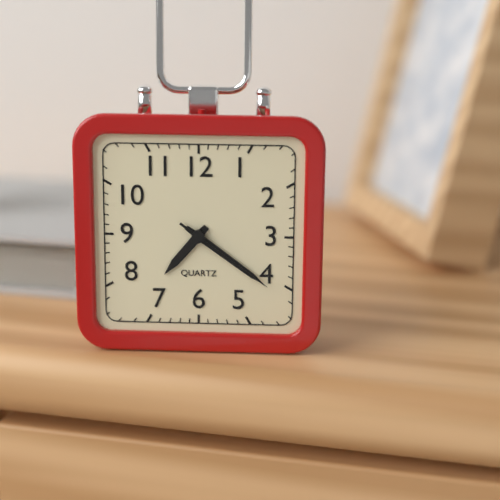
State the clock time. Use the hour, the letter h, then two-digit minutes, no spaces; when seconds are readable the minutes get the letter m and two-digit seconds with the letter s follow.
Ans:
7h21m21s
